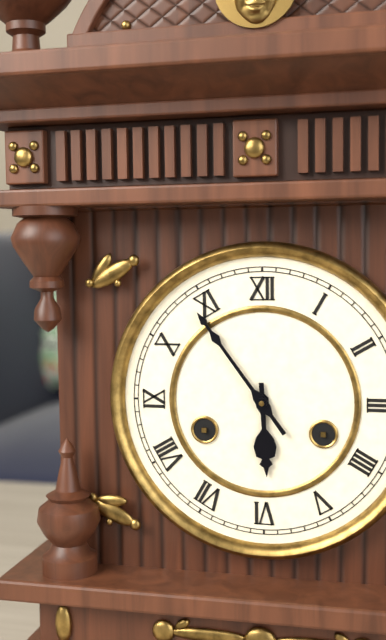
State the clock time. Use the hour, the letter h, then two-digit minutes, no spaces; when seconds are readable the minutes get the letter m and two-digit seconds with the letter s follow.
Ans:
5h54
